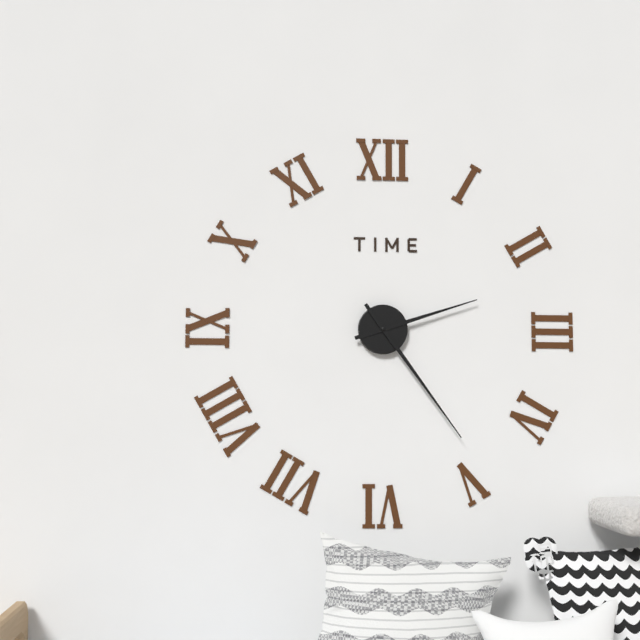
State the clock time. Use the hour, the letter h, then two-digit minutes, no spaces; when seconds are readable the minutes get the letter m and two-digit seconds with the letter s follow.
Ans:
2h24
